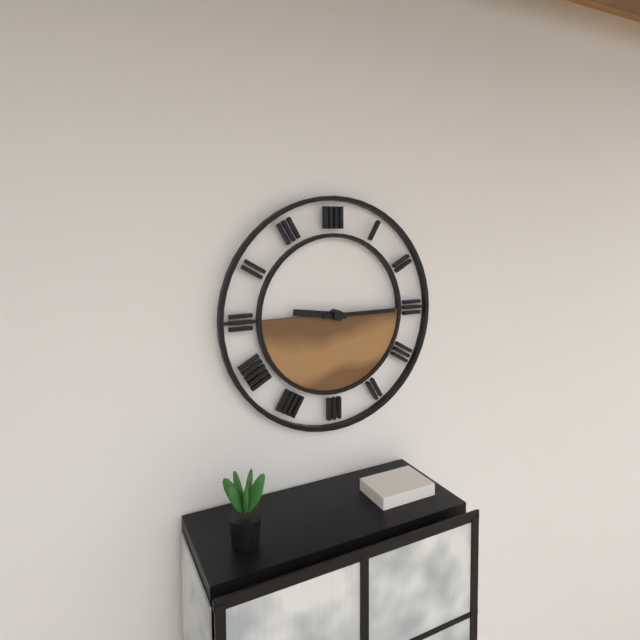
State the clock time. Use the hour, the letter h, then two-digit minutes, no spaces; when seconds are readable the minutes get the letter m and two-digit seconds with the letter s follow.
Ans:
9h15
